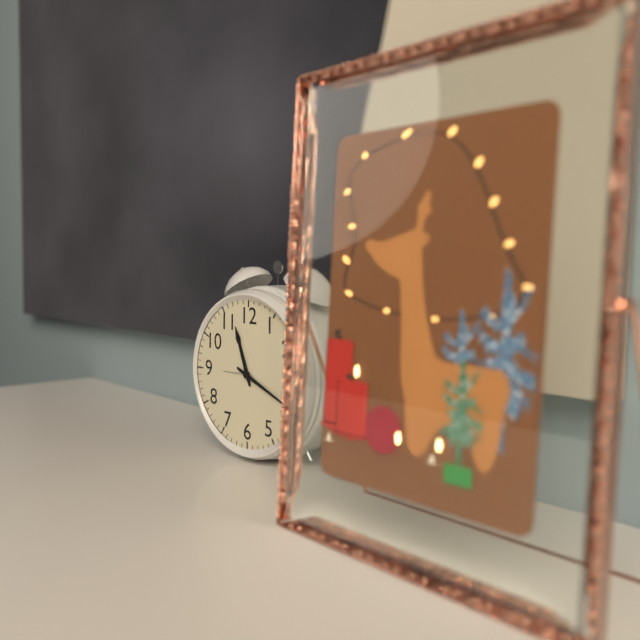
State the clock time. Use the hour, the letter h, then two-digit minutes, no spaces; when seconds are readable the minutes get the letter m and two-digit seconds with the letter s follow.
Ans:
11h19
